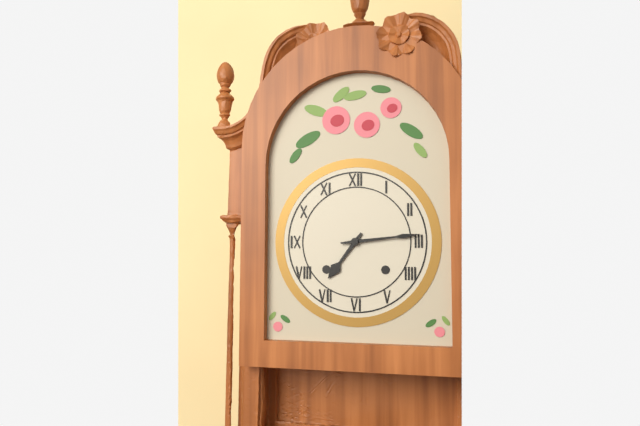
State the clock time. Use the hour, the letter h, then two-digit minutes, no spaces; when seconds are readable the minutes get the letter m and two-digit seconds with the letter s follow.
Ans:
7h14
